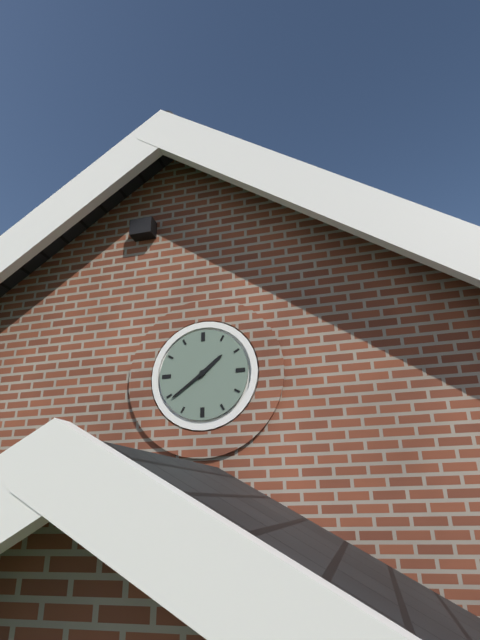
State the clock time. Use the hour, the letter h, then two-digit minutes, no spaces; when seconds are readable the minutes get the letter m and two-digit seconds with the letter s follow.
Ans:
1h39
